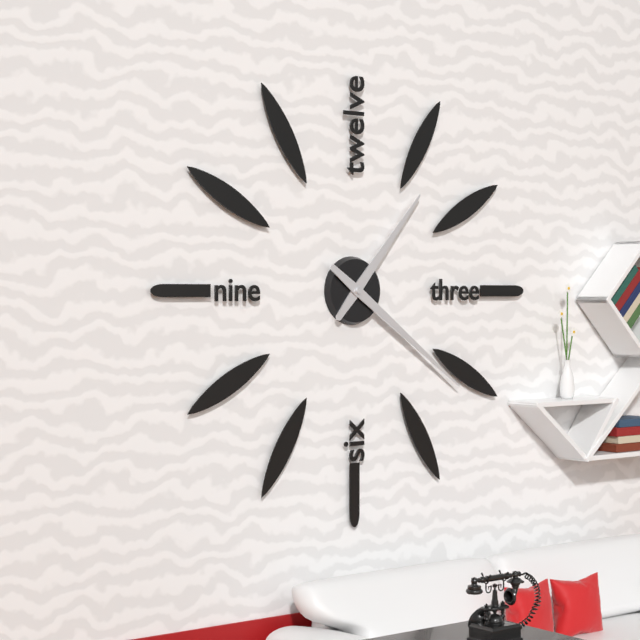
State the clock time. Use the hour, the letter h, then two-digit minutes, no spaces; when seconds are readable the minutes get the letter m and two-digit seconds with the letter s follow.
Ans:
1h21
